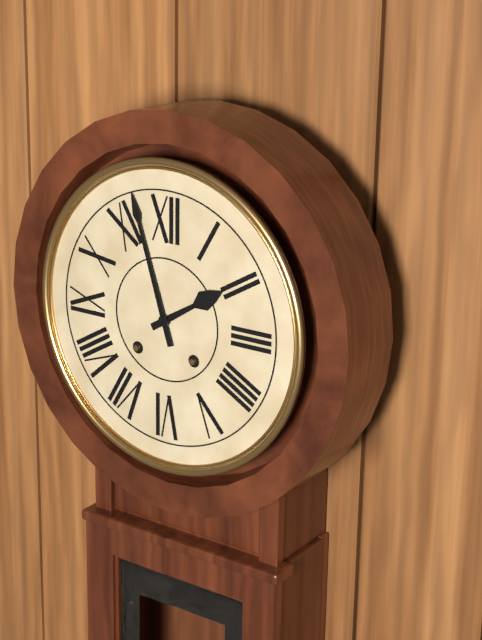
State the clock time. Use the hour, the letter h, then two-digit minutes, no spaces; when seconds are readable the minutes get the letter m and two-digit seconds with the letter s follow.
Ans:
1h57
